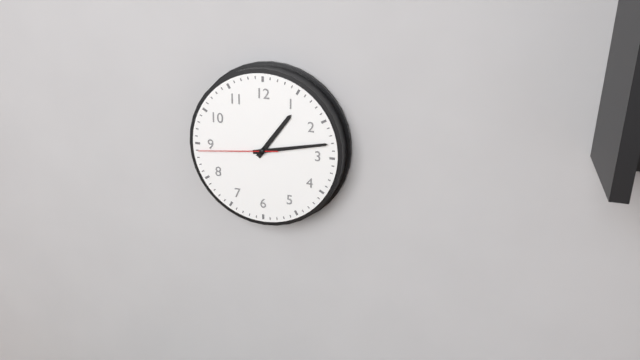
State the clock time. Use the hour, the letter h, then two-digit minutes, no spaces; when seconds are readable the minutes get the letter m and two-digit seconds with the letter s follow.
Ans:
1h13m44s
